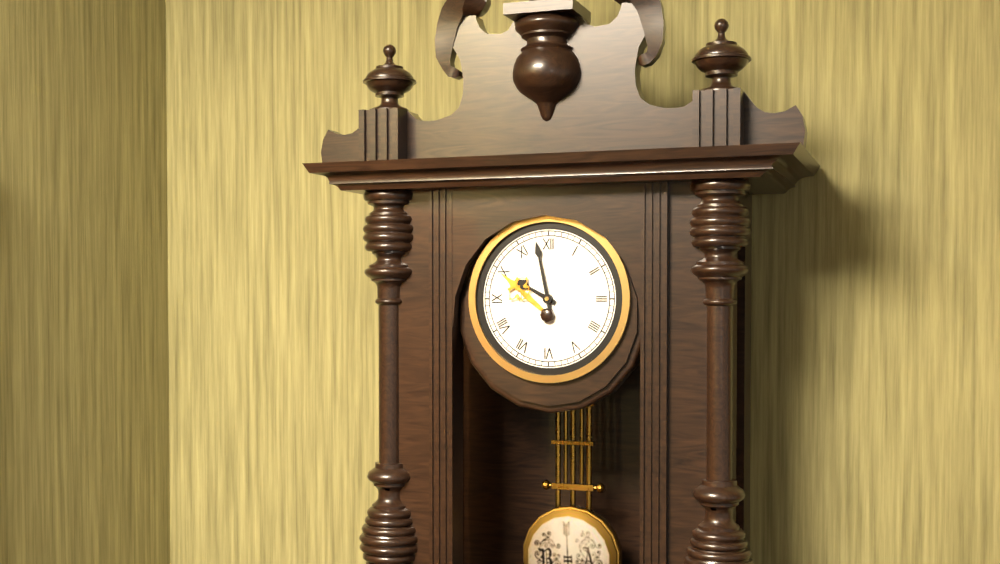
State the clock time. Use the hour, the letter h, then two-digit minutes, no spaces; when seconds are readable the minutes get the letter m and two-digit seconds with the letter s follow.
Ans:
9h58
